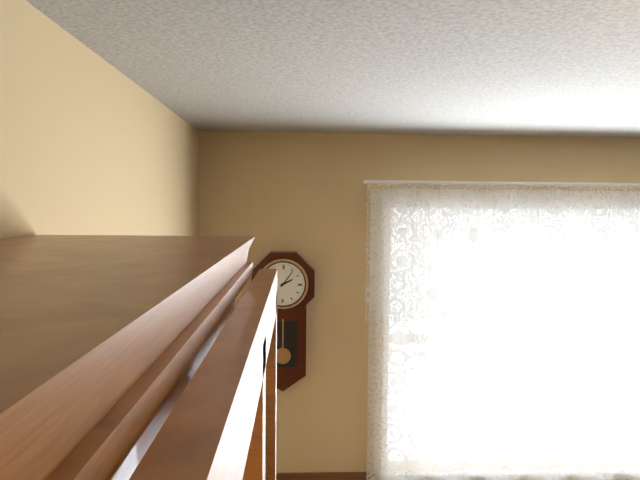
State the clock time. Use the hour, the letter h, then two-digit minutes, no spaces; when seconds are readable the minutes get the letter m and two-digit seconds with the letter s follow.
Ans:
2h06
